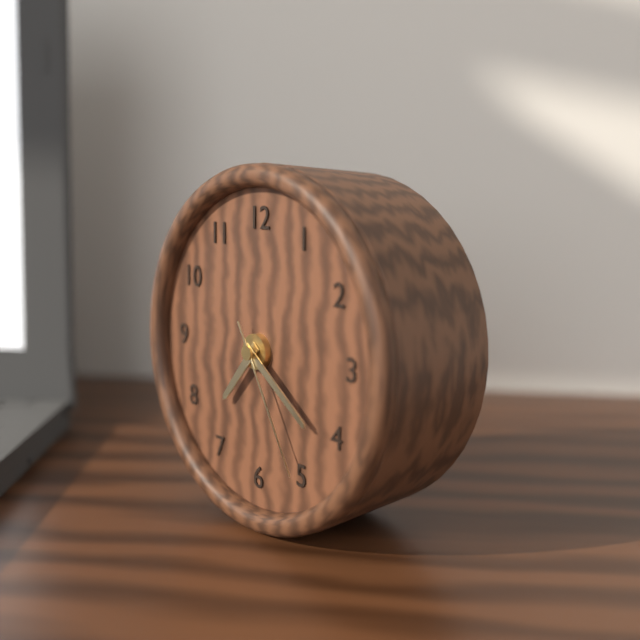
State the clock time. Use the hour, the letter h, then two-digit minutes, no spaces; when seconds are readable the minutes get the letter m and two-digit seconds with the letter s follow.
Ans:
7h21m25s
